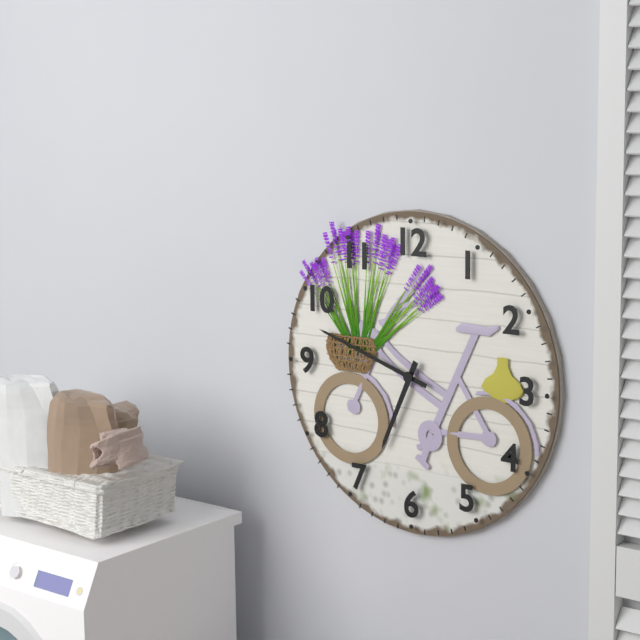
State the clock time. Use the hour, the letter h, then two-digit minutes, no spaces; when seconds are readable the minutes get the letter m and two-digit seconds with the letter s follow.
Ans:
6h48
